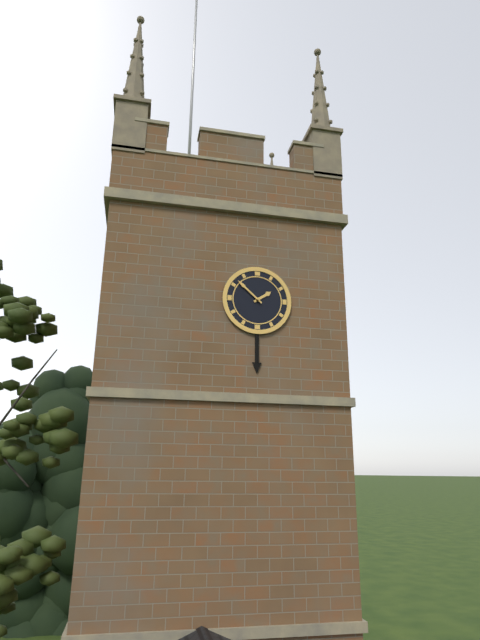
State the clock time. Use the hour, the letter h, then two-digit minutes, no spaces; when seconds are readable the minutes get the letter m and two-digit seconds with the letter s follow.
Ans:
1h52
